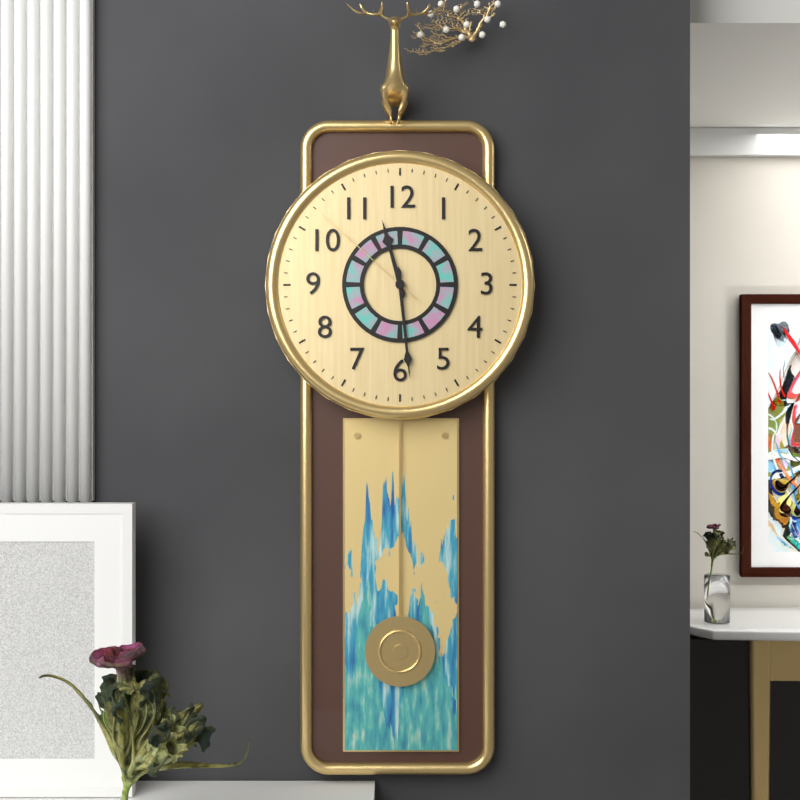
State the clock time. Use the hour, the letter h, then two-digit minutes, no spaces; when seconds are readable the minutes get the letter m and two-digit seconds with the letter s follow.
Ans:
11h29m52s
